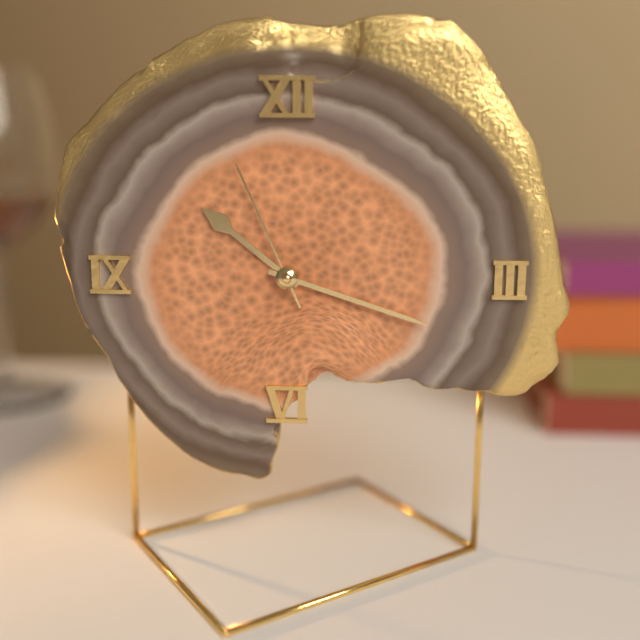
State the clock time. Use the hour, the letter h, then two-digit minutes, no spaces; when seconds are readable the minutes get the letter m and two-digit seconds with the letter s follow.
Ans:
10h18m56s
